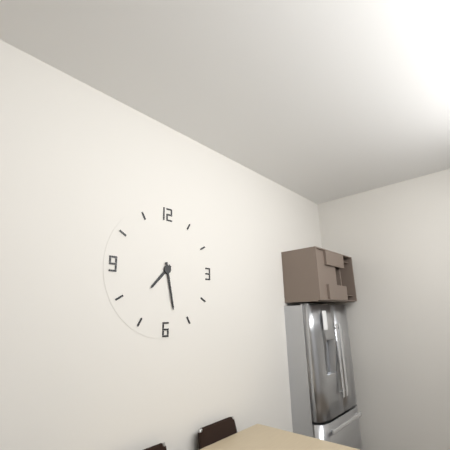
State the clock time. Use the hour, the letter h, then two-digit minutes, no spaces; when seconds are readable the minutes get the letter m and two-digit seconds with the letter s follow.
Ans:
7h28
